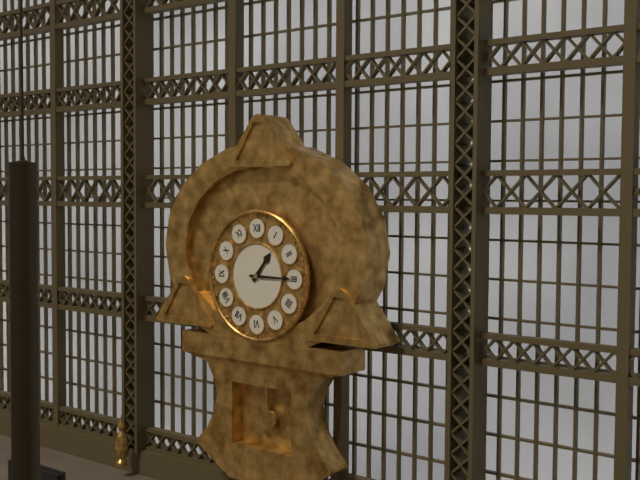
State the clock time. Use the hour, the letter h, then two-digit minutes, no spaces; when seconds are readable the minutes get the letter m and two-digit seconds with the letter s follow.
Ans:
1h15
